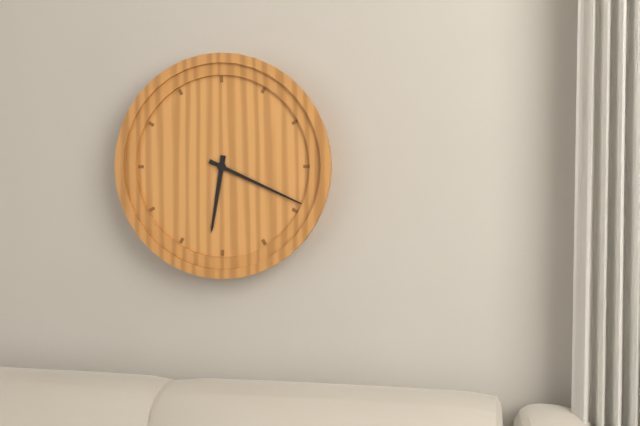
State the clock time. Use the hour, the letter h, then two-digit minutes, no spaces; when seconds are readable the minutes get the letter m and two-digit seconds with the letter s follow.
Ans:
6h19
